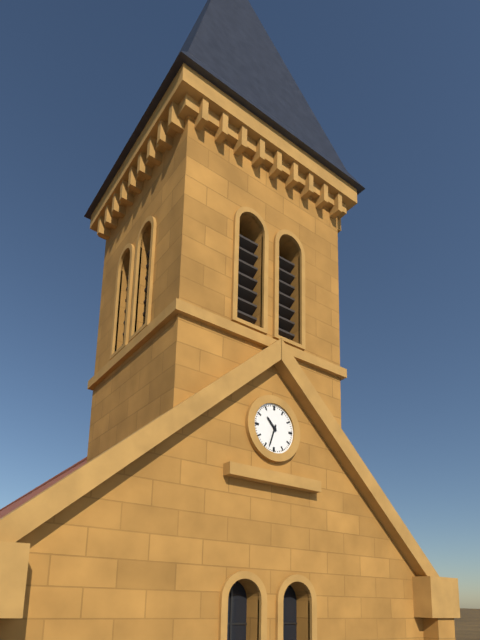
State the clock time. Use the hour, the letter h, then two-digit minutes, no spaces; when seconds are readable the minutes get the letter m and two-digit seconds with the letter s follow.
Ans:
10h33
